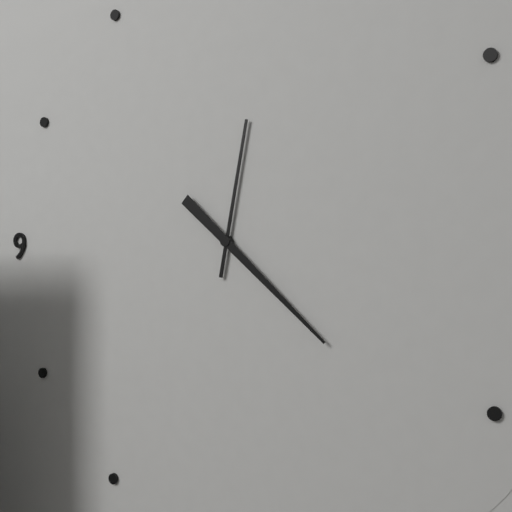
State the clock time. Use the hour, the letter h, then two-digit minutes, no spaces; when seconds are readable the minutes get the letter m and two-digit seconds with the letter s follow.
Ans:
12h22
